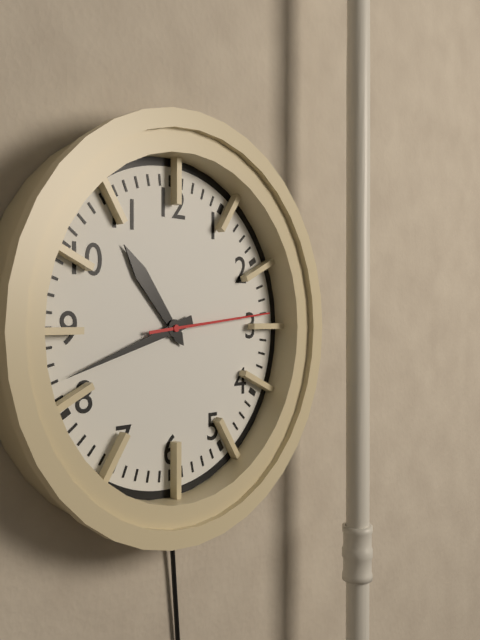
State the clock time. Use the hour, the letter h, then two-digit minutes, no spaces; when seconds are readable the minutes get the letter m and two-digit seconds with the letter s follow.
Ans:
10h42m14s
